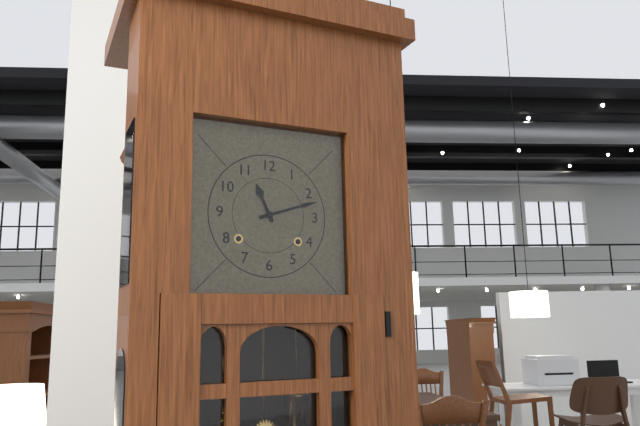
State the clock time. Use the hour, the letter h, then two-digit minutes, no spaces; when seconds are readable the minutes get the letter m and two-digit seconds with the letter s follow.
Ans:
11h12
